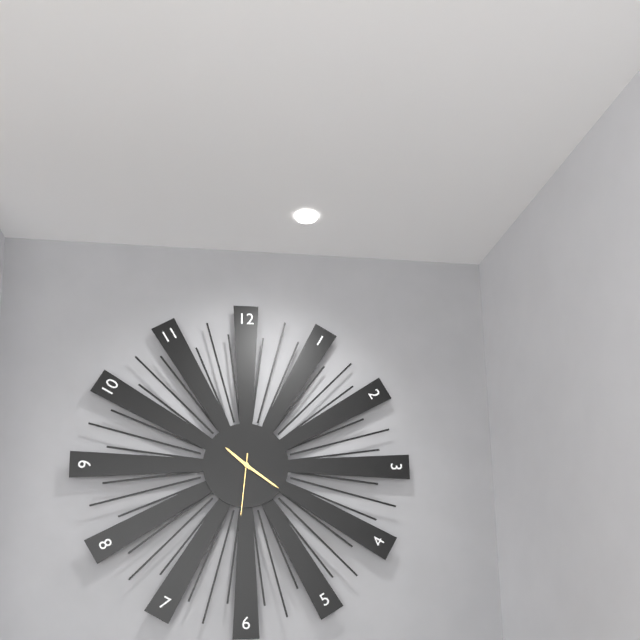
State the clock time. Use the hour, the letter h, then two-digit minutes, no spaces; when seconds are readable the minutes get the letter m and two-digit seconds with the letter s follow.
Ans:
10h21m31s
